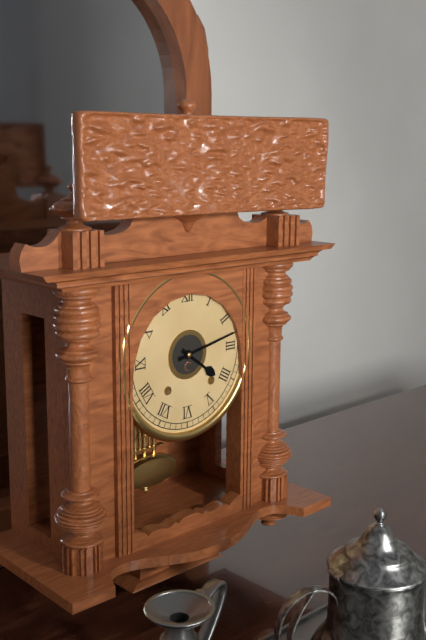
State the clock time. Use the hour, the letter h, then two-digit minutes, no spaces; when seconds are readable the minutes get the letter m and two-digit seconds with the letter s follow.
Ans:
4h13
